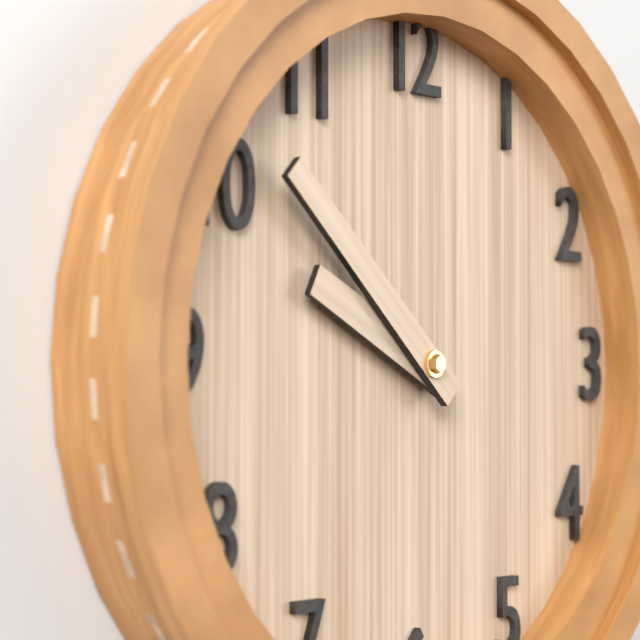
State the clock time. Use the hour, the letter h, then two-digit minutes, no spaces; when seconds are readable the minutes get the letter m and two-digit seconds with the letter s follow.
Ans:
9h52
